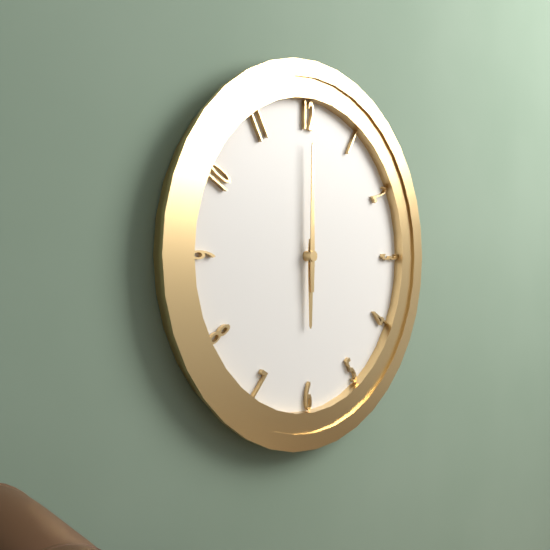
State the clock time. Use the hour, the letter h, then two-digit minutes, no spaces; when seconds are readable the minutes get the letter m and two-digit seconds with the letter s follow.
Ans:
6h00
